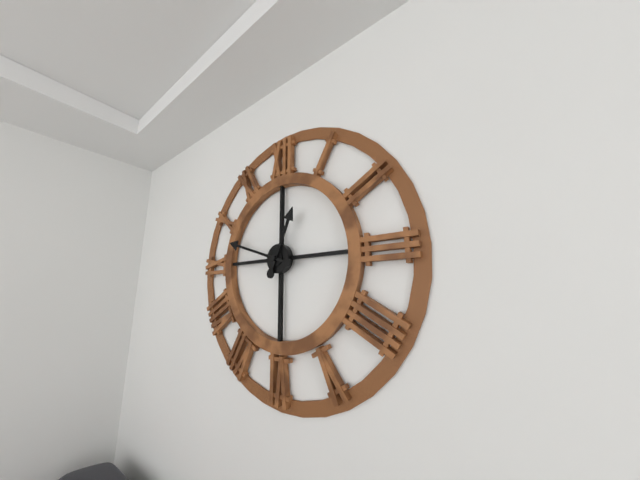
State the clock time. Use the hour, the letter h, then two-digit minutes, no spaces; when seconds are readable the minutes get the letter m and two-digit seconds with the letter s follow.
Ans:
12h48
